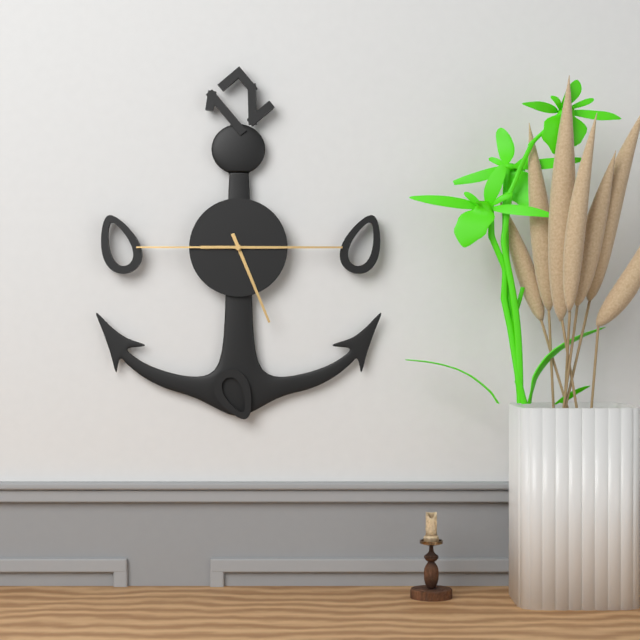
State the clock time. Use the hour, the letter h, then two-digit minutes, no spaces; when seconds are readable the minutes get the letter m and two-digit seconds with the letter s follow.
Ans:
5h15m45s
